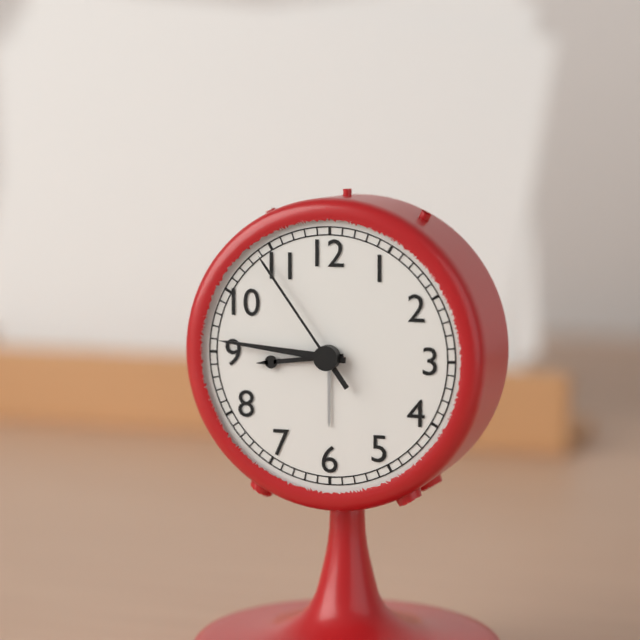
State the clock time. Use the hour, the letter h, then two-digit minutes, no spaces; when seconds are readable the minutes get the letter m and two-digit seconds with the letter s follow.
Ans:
8h46m54s
